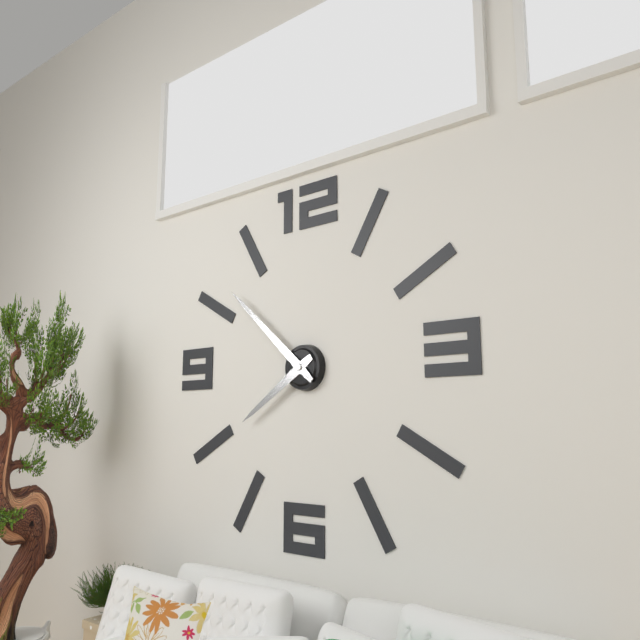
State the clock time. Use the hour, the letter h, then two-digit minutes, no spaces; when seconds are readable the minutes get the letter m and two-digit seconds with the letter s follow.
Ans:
7h52
